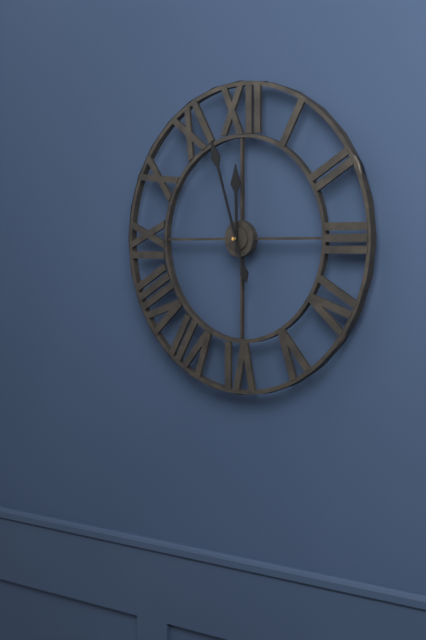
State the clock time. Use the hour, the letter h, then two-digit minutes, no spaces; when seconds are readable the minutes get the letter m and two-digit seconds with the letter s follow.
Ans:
11h57
